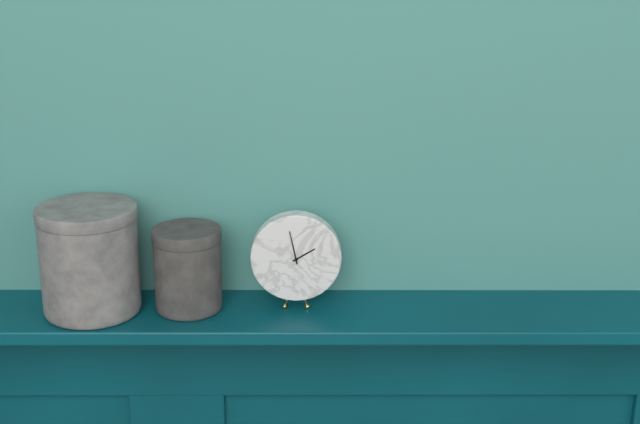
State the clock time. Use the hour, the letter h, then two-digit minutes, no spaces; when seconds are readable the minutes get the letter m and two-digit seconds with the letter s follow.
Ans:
1h58
